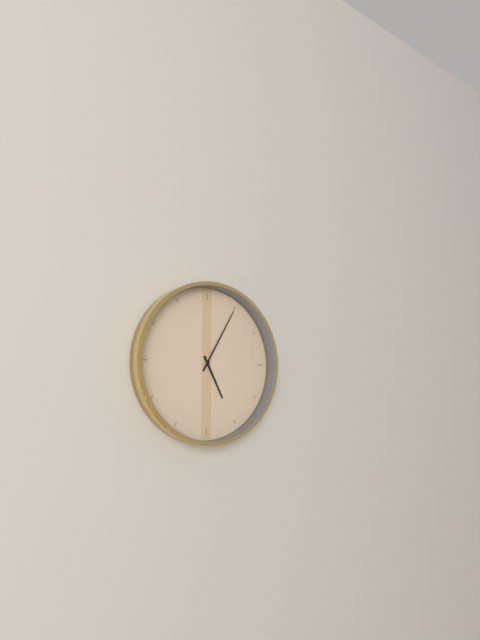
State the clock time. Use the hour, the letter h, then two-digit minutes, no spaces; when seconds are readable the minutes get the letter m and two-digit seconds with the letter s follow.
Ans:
5h05
